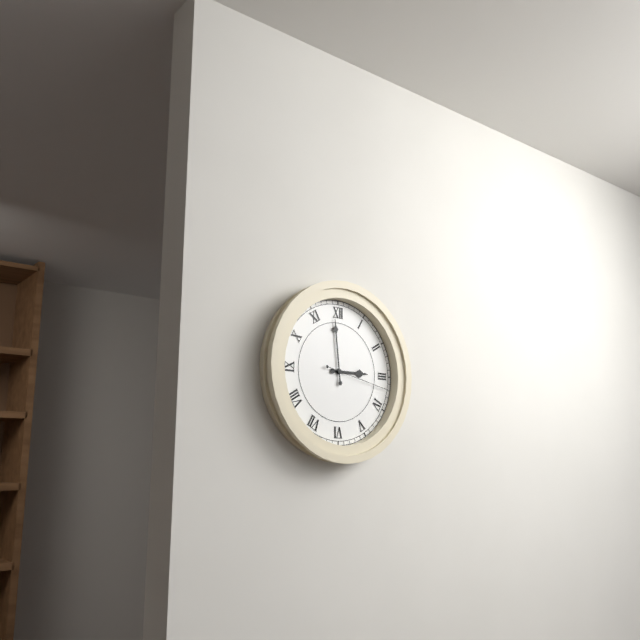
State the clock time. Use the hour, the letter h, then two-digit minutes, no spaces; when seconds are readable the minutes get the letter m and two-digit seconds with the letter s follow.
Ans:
2h59m17s
